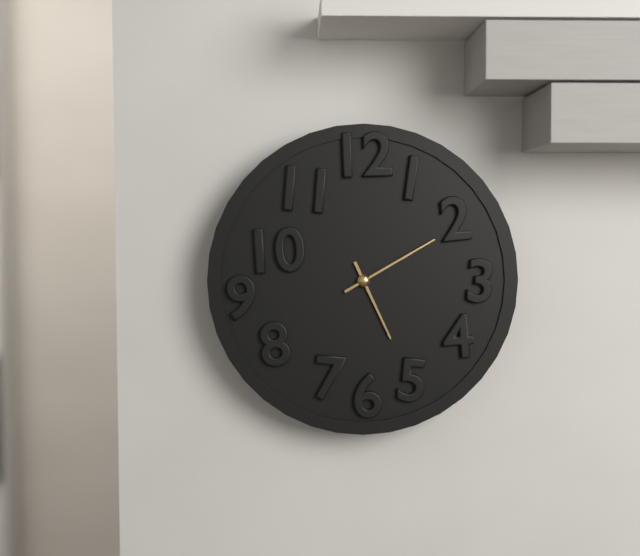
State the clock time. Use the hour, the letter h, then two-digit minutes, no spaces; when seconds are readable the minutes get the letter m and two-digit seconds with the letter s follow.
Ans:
5h10
